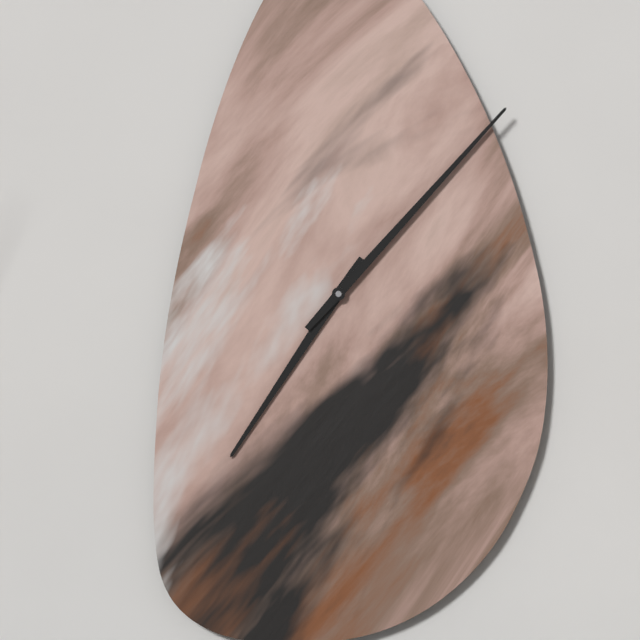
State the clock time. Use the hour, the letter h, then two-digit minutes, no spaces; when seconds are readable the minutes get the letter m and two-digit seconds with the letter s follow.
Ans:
7h07
